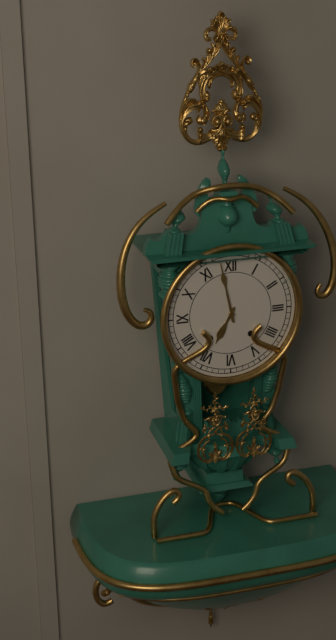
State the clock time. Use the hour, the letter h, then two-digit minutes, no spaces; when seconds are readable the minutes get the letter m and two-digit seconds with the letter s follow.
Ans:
6h58
